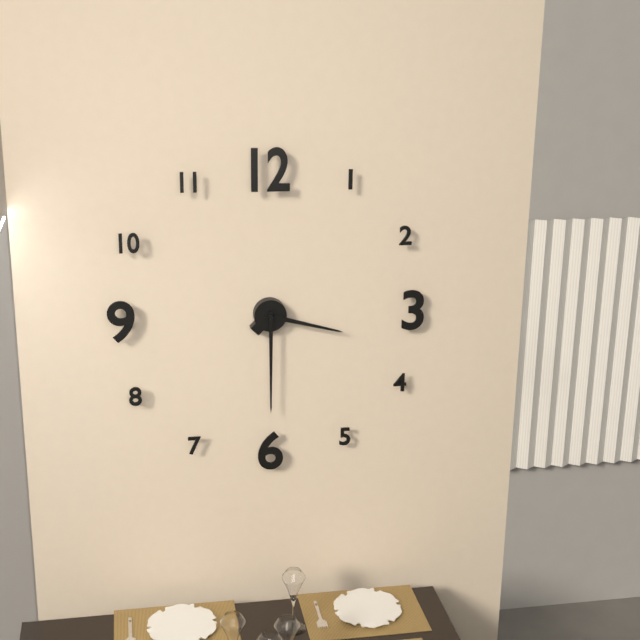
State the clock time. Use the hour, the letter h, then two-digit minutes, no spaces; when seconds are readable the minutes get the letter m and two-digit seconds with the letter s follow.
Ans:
3h30
